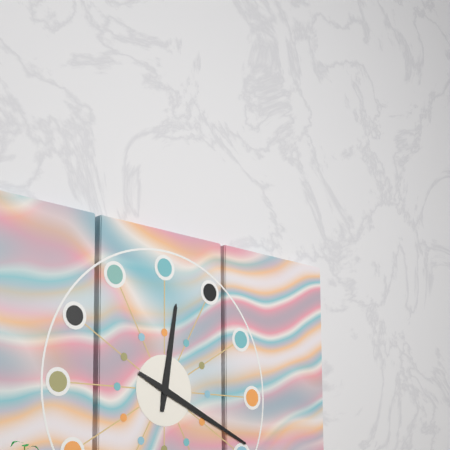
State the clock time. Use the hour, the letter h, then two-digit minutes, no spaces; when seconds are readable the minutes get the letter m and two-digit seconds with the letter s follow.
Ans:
12h19
